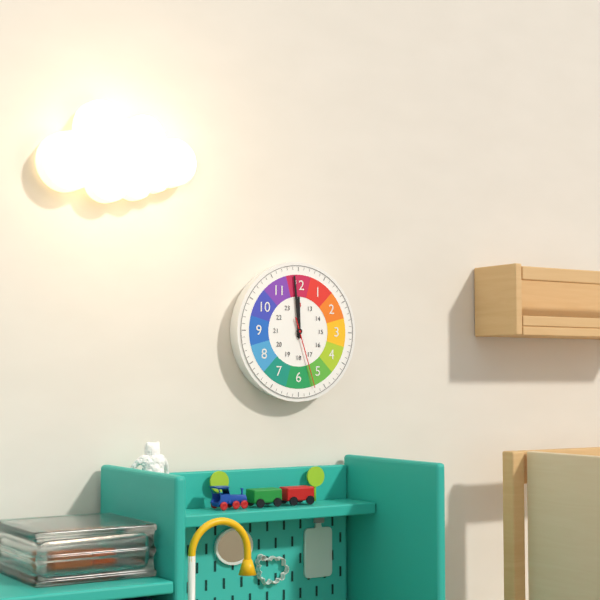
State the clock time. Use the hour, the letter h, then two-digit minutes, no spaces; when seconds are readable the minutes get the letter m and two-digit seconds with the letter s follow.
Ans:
11h59m27s
